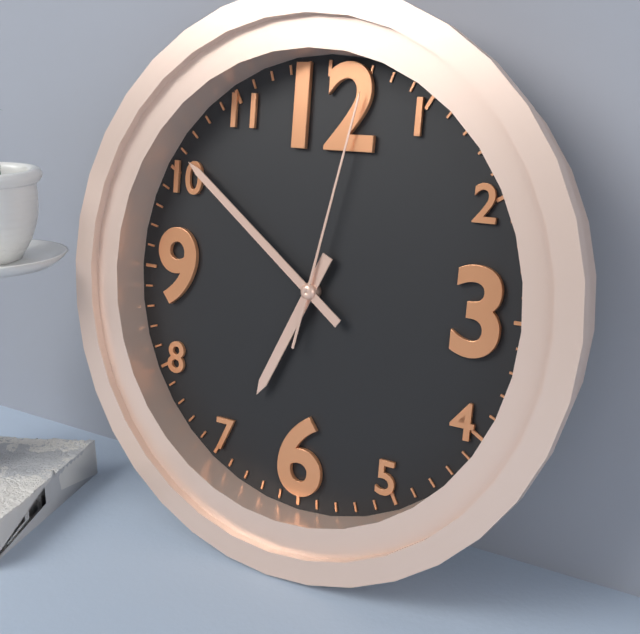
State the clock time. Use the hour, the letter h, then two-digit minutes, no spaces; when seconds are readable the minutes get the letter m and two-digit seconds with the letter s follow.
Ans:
6h51m02s
